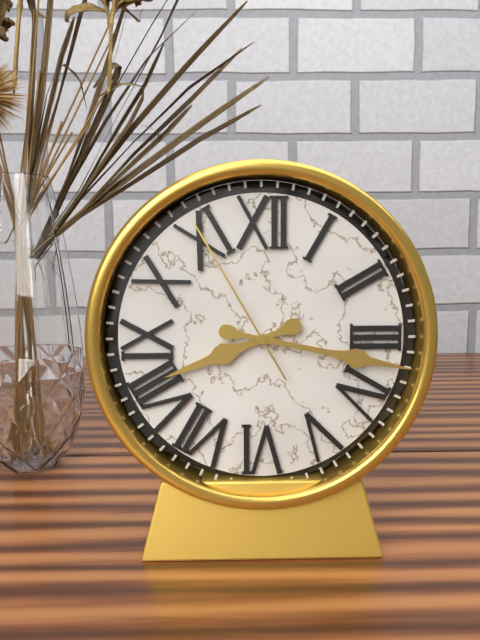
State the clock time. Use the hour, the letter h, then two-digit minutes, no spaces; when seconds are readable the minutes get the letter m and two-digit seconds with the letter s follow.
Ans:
8h17m55s
